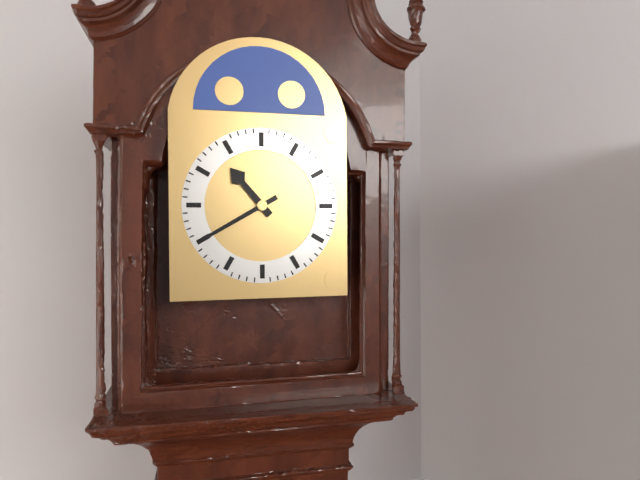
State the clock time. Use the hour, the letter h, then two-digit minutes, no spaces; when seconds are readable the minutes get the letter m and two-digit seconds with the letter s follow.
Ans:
10h40
